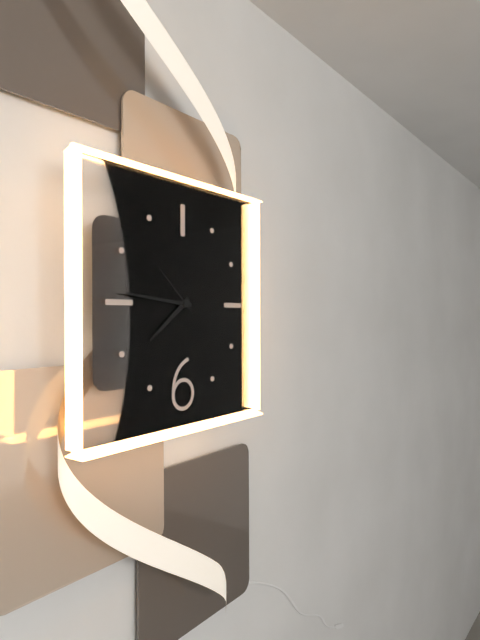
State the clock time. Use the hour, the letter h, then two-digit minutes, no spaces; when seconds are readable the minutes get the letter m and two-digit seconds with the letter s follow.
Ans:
7h46m52s
